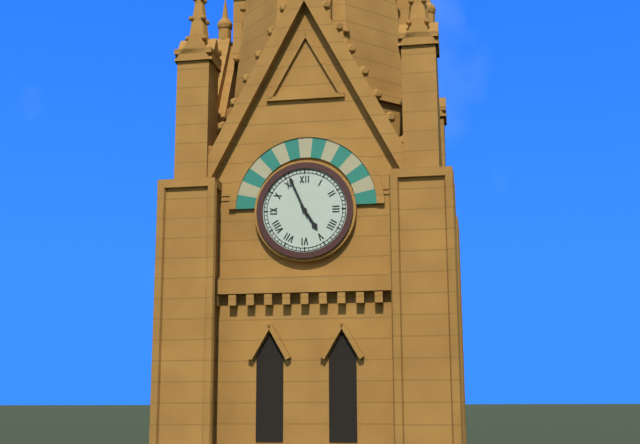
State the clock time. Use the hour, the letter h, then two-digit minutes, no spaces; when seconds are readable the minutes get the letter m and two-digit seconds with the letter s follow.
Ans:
4h56
